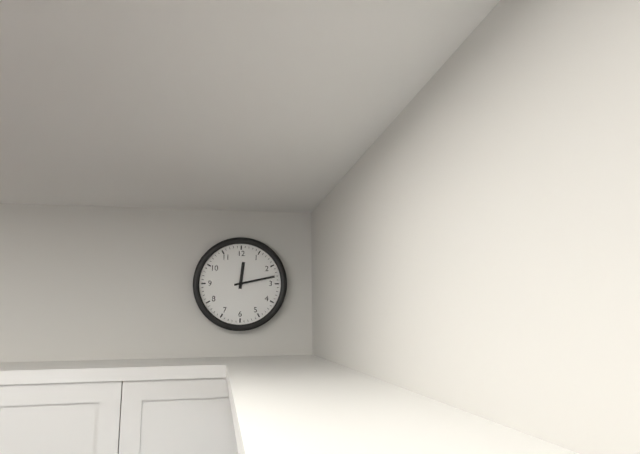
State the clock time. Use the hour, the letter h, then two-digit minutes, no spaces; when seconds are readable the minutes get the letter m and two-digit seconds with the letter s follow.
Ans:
12h13
